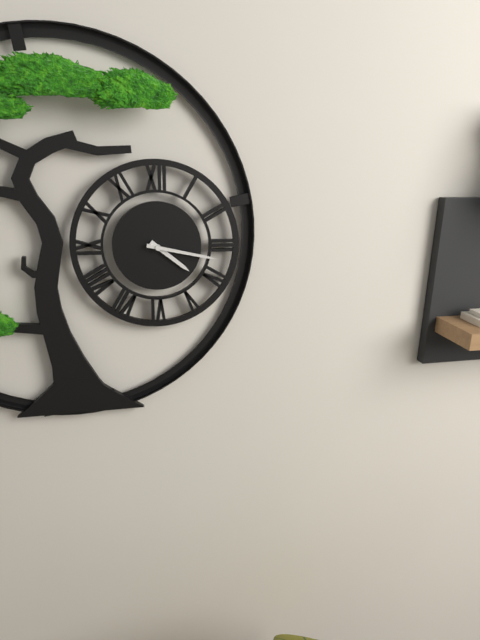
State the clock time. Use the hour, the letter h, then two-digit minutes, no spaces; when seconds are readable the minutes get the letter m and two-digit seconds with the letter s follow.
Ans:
4h17
